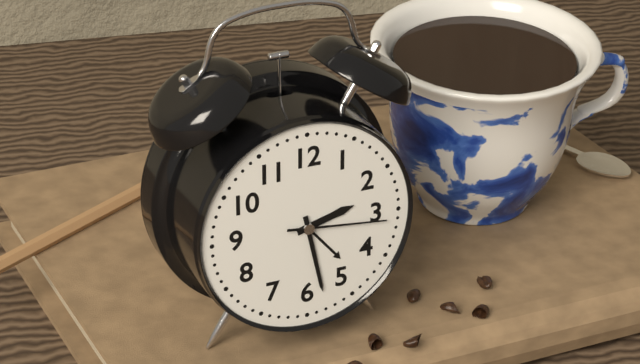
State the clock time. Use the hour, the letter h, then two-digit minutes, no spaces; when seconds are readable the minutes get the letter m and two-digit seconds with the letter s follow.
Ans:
2h28m16s
